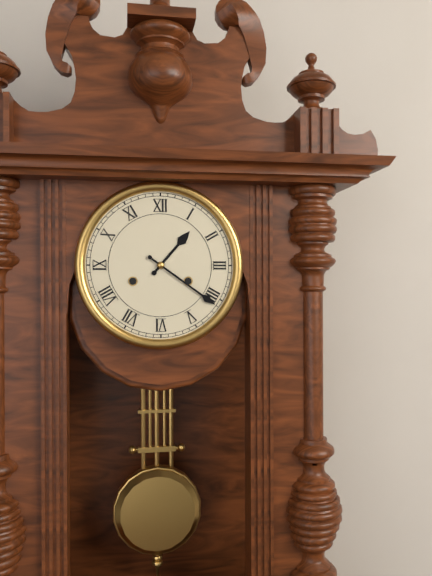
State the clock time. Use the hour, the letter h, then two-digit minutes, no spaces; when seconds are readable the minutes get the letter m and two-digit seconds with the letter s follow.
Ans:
1h21
